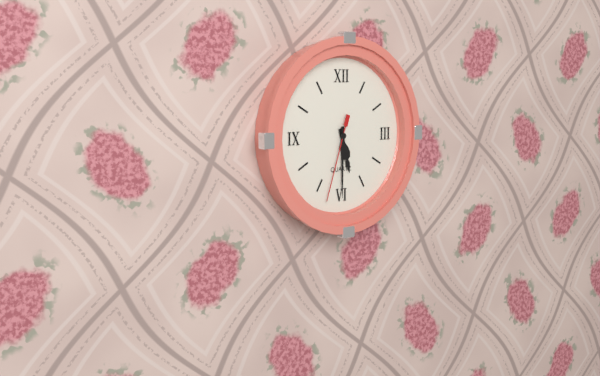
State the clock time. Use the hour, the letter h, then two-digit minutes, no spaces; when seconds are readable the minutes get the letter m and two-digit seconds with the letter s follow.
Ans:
5h30m33s
